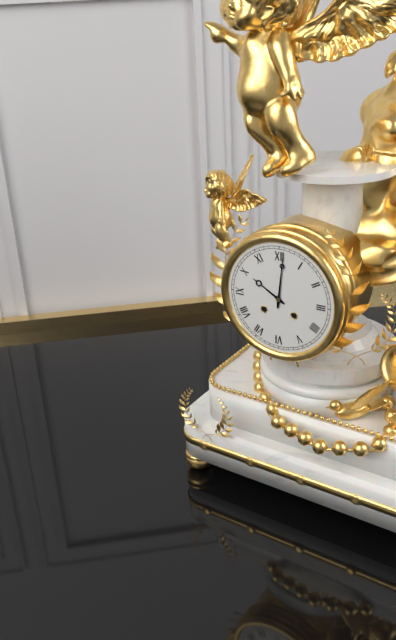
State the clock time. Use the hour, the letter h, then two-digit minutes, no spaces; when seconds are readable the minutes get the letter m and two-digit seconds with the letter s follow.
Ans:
10h01
